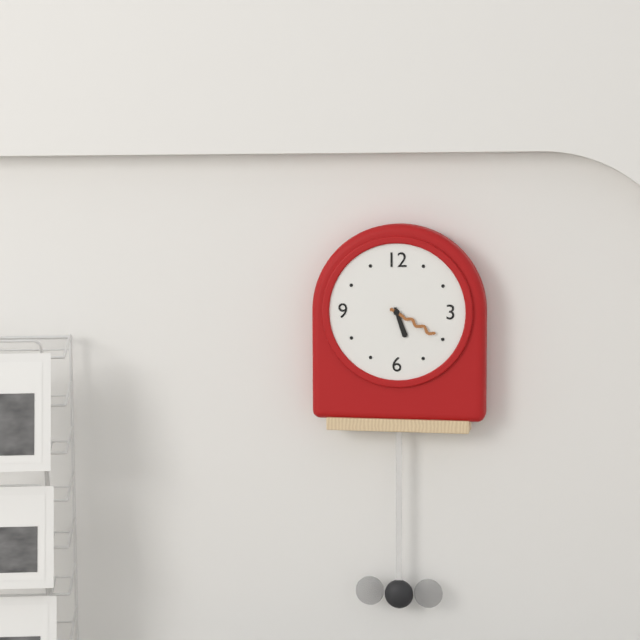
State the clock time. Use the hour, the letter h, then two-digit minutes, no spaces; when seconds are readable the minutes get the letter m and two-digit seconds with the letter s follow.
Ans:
5h20
